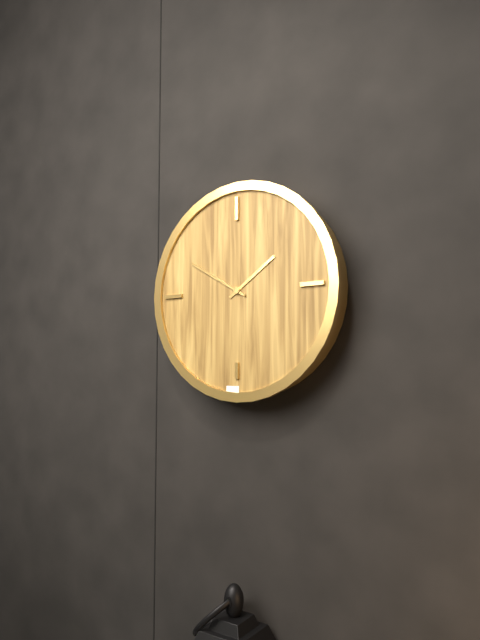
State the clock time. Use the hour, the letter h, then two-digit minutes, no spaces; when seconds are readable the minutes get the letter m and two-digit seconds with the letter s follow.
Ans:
1h50
